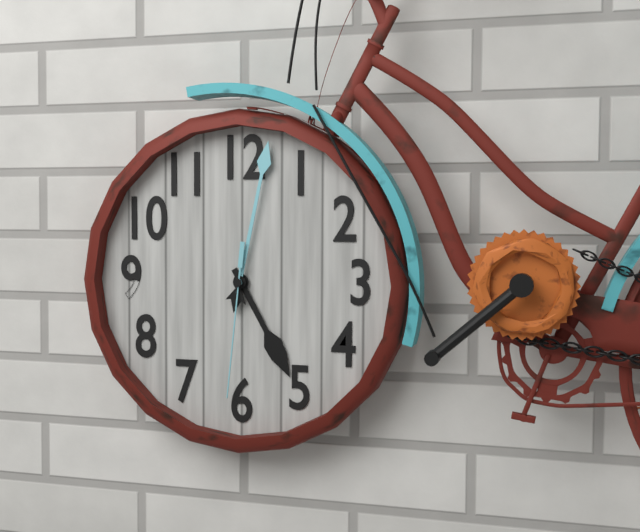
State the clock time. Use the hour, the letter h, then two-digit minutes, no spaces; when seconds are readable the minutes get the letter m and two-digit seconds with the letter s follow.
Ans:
5h02m31s
